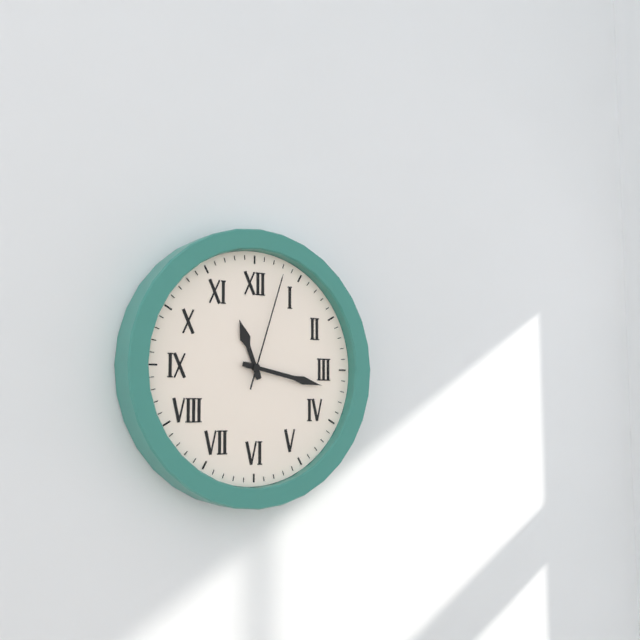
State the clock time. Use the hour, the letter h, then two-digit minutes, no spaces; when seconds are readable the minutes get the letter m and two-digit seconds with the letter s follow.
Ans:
11h17m03s
